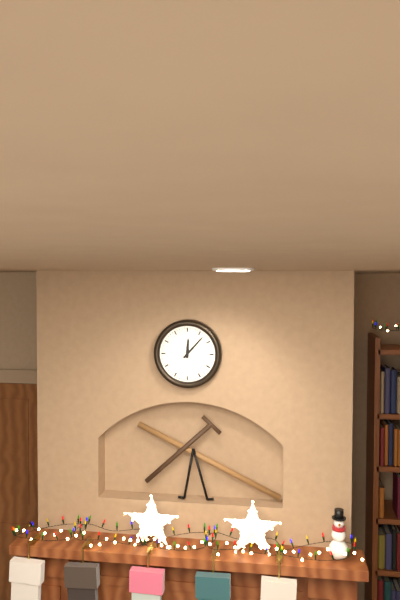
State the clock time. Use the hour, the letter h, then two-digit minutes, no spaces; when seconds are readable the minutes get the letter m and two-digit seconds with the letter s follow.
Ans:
12h07
